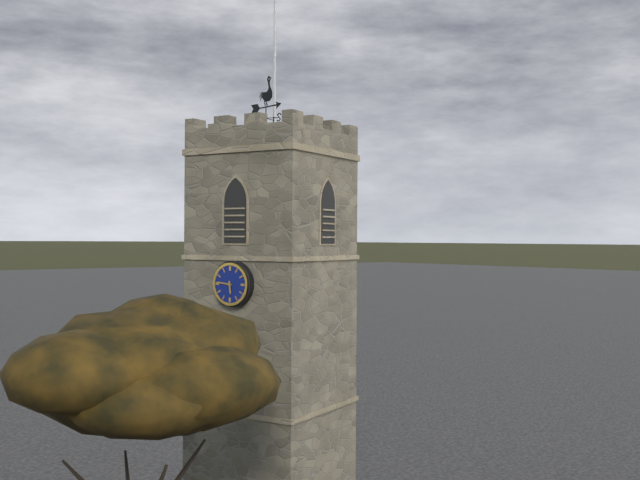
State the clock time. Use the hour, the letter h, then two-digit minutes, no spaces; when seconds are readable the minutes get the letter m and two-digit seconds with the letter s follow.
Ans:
5h46
